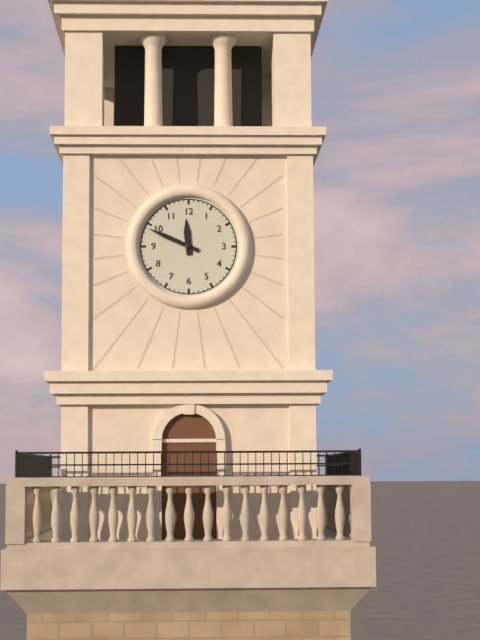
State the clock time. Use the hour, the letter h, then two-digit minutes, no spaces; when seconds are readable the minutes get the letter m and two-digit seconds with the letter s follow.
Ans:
11h49
